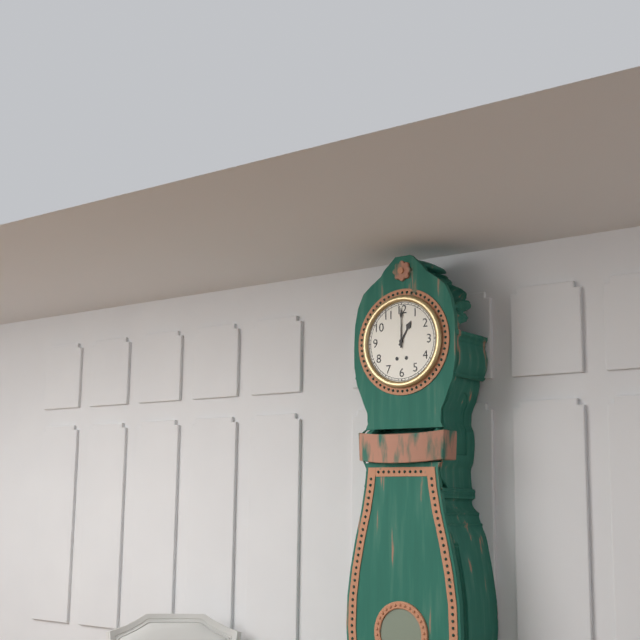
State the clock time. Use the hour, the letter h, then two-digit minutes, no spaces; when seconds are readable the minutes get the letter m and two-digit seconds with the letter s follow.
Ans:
1h00
